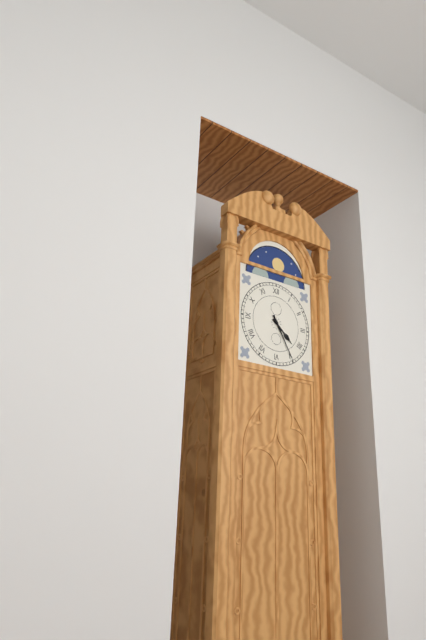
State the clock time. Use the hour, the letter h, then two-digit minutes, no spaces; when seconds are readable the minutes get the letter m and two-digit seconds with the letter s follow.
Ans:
4h25
